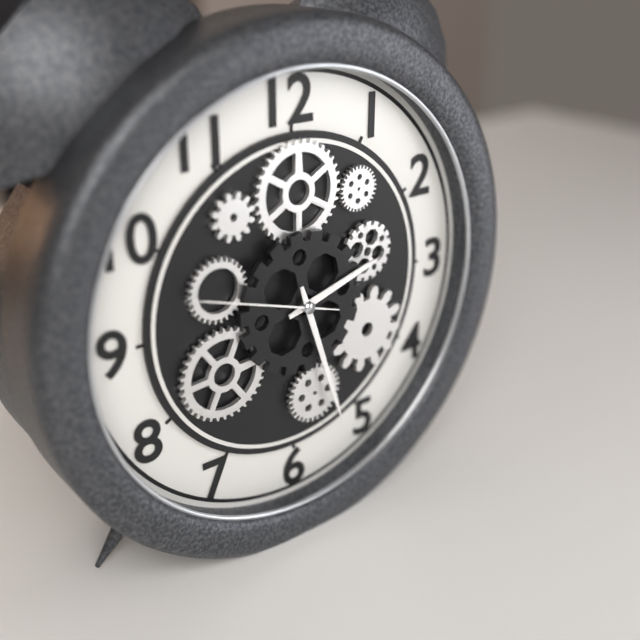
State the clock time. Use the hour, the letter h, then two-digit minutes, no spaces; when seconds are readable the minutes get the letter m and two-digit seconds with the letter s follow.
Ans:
2h27m48s
